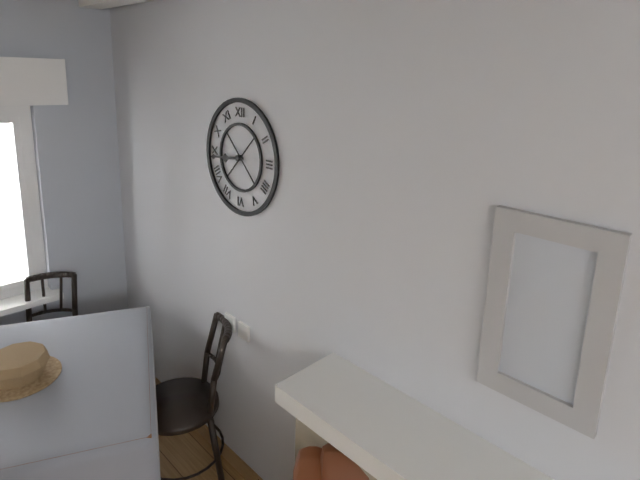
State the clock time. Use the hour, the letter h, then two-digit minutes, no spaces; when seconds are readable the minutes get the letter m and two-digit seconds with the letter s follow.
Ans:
8h44
